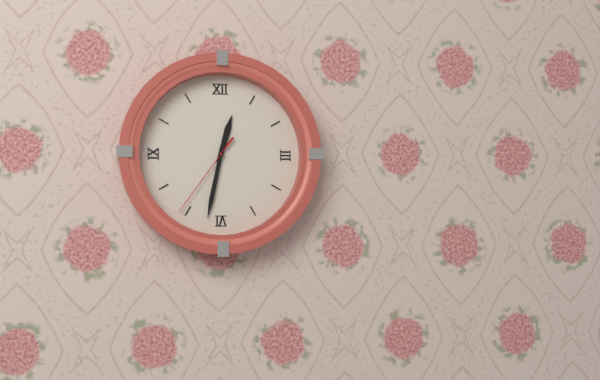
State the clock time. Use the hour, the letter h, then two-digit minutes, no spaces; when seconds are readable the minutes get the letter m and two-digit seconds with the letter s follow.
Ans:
12h32m36s
